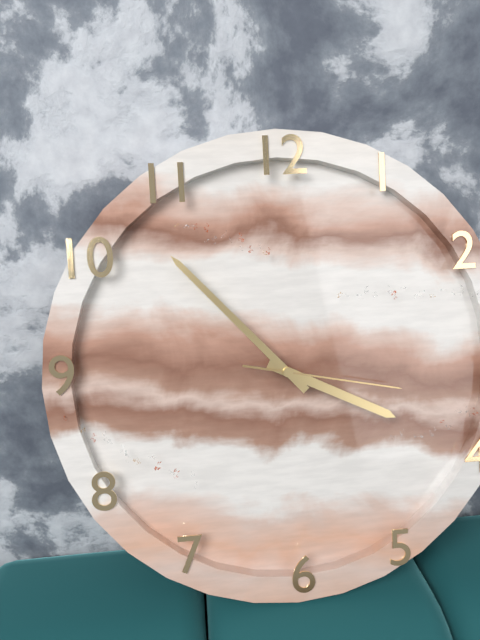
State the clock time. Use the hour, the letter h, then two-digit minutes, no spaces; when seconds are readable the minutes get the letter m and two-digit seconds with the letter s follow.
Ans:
3h53m17s
